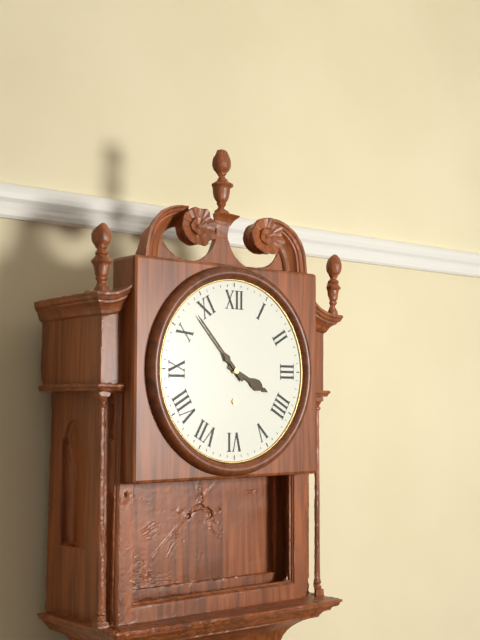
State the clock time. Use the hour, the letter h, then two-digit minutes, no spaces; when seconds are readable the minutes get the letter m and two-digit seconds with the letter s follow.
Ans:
3h53
